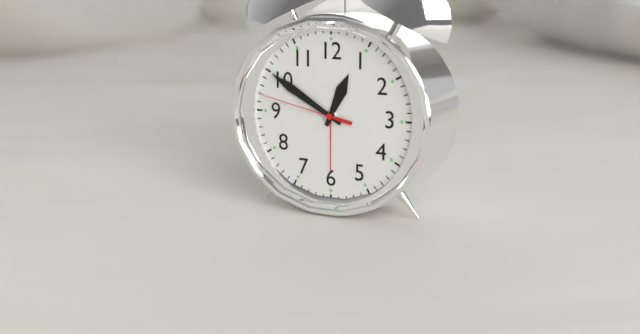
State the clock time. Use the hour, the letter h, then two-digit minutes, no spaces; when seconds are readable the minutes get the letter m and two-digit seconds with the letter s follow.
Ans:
12h50m47s
